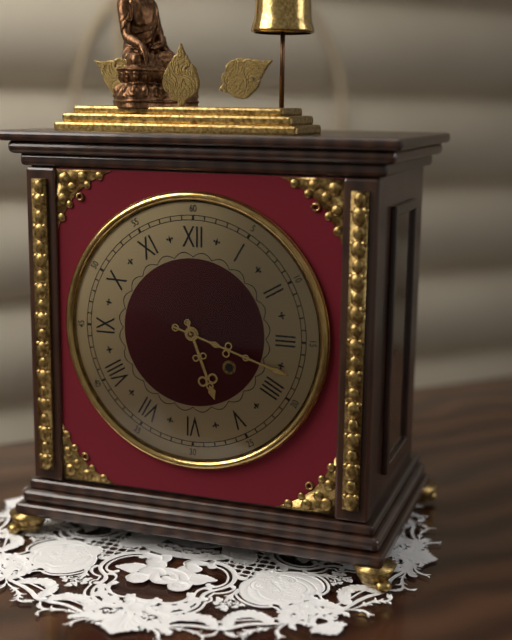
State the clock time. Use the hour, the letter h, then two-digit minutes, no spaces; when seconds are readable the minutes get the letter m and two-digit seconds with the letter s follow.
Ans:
5h18
